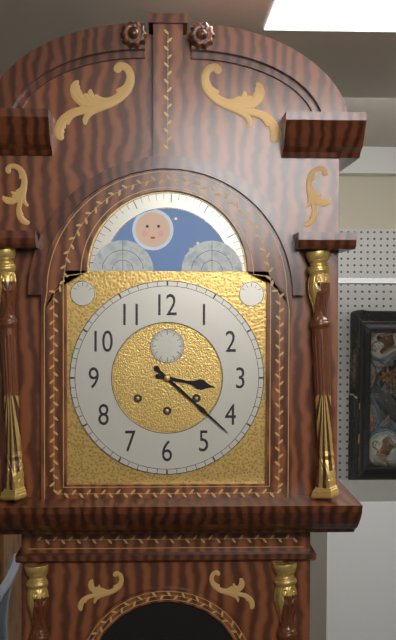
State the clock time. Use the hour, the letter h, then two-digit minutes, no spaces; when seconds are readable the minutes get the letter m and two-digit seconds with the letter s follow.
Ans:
3h22
